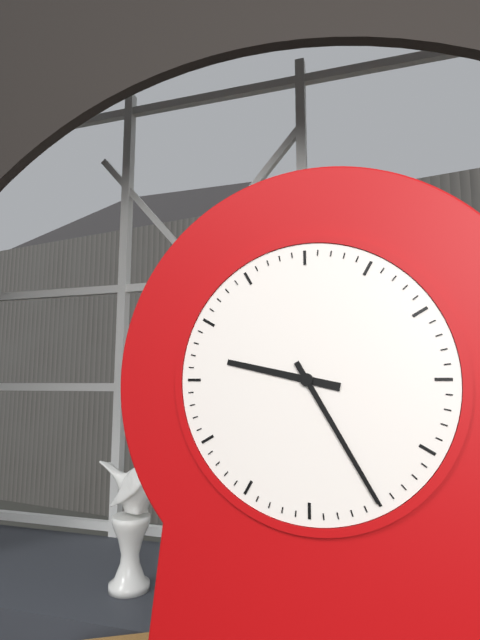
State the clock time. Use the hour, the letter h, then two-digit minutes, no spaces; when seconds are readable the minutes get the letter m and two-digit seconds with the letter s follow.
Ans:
9h25
